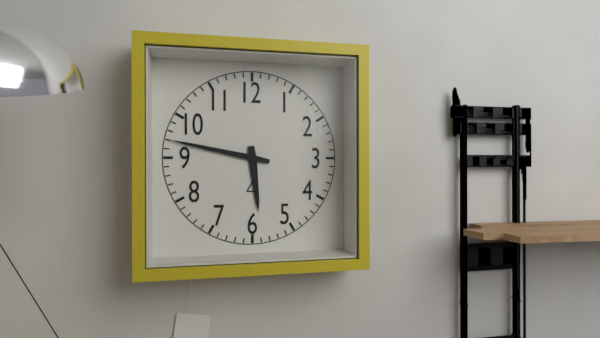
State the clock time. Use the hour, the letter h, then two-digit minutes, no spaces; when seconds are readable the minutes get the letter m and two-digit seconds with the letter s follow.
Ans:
5h47
